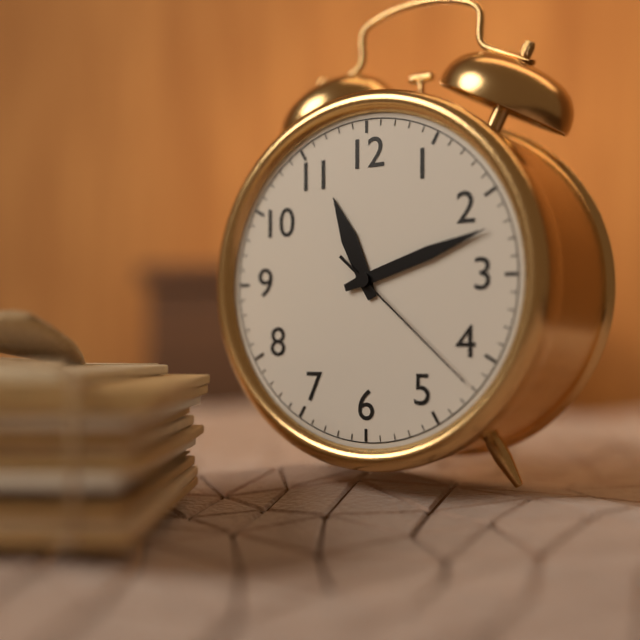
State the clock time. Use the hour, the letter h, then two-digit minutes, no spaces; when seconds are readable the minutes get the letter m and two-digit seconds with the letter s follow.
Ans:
11h12m22s
